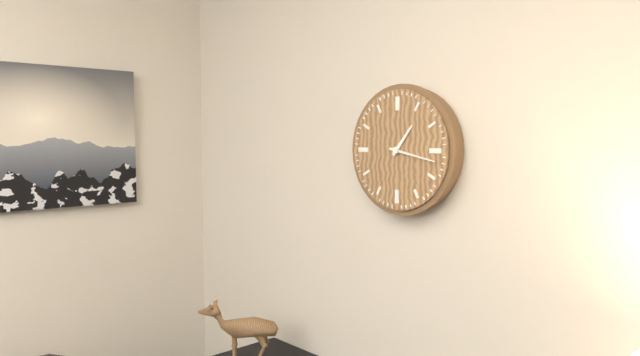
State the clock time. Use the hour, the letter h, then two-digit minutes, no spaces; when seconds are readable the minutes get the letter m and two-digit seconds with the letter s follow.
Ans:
1h17
